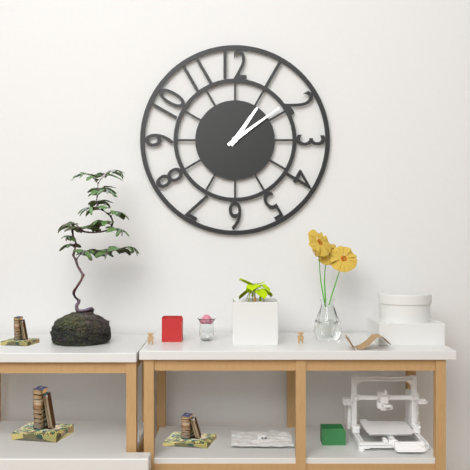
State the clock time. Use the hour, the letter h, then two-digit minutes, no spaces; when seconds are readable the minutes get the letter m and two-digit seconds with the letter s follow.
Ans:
1h09
